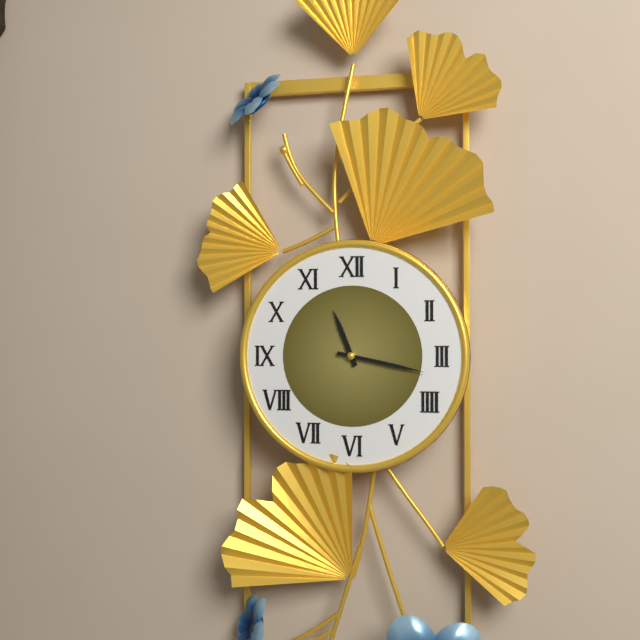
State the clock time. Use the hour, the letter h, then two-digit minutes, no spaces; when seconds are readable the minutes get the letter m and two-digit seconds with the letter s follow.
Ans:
11h17
